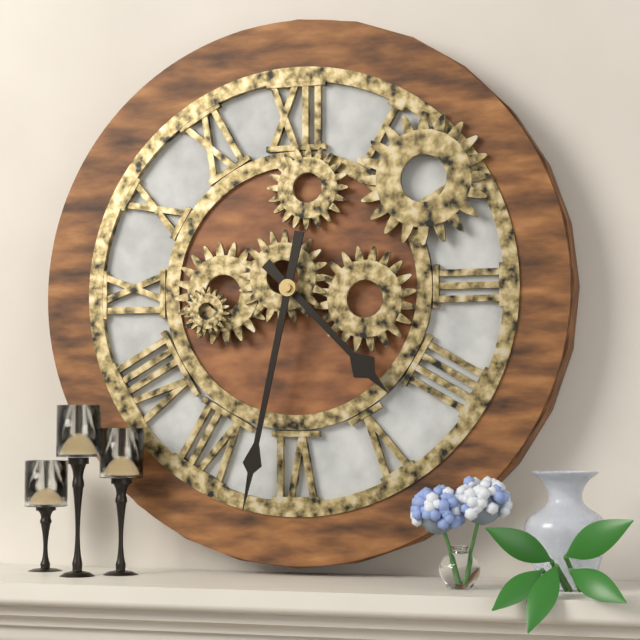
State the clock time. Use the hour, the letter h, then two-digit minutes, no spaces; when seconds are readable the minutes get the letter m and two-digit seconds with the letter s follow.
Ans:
4h32
